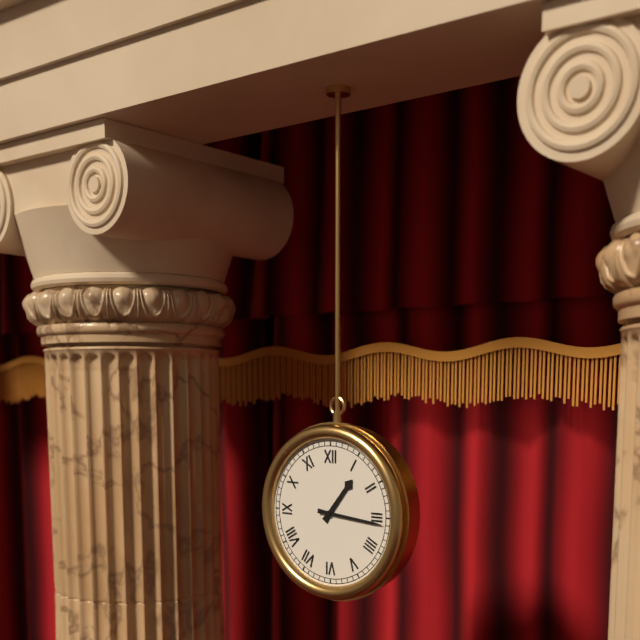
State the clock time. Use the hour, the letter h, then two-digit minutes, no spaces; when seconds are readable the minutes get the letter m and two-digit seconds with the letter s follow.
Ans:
1h16
